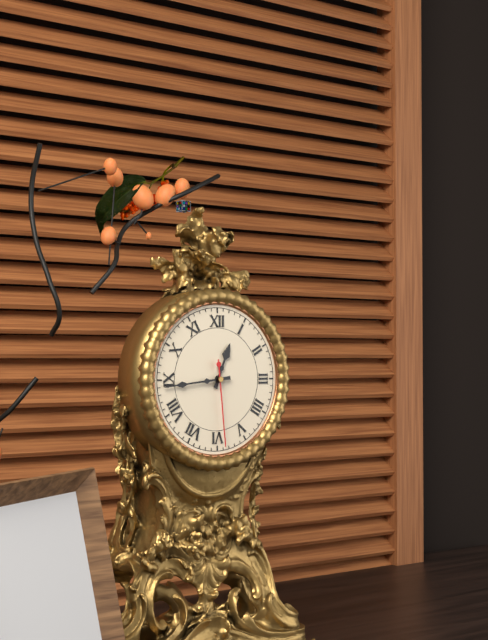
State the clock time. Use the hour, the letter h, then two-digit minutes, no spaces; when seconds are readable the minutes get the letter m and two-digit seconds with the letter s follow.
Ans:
12h44m29s
